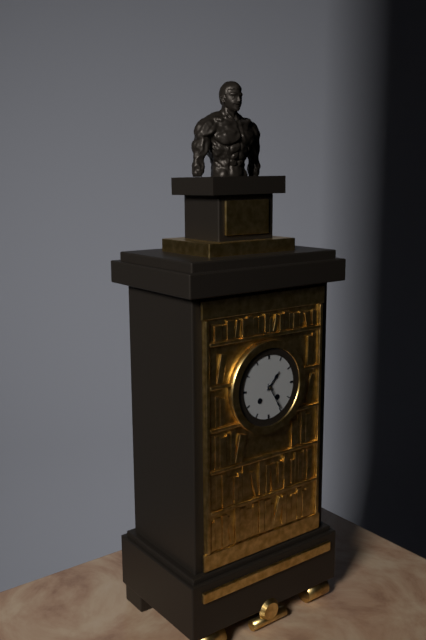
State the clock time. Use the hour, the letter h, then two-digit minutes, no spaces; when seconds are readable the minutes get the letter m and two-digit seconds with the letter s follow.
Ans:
1h25
